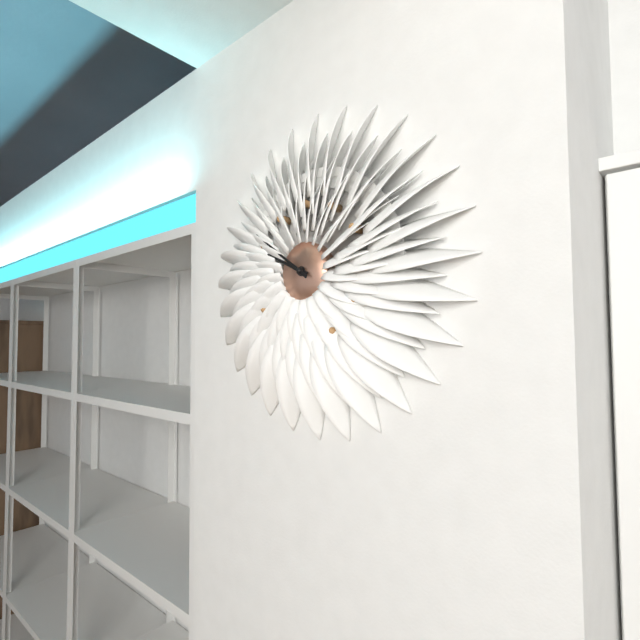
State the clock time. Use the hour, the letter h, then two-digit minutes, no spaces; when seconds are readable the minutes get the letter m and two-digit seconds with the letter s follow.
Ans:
9h51
